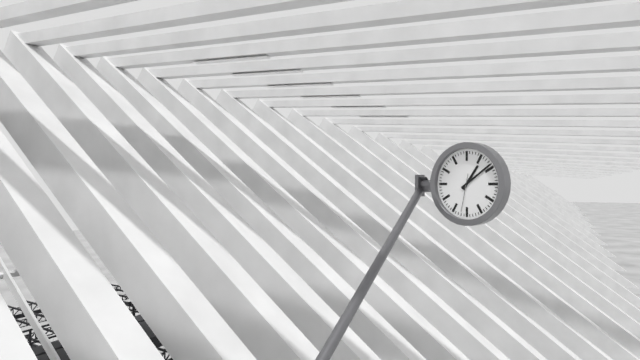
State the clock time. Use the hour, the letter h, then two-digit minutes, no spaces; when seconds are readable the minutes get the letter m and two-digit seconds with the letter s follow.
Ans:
1h09
